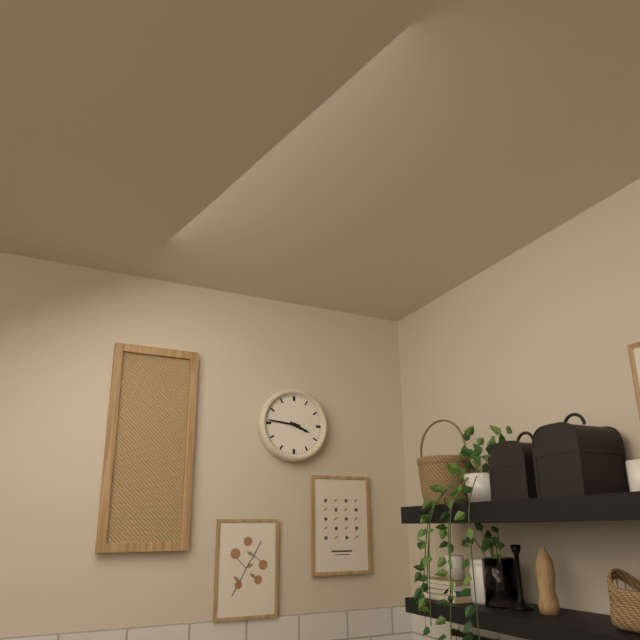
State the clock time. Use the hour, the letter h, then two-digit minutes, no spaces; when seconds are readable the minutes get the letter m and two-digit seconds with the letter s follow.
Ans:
3h46
